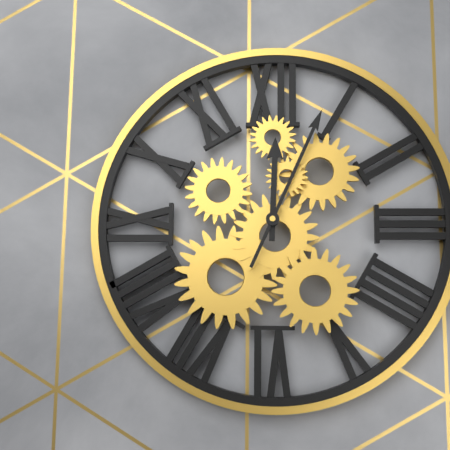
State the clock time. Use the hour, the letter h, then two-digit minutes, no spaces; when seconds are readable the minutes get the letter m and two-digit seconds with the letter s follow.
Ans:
12h04
